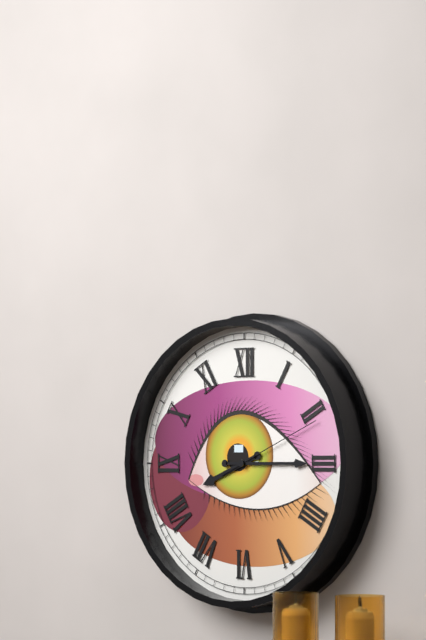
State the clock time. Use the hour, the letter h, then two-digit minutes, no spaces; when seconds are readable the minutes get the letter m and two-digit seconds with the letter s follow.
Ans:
8h15m11s
